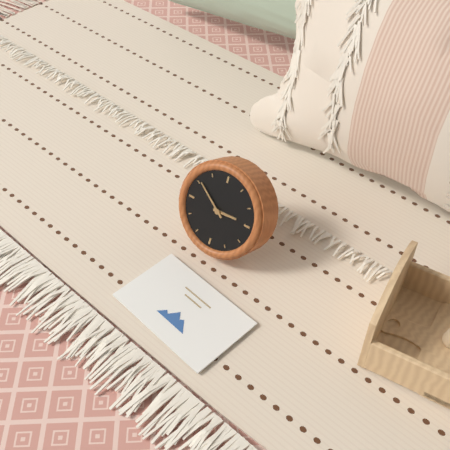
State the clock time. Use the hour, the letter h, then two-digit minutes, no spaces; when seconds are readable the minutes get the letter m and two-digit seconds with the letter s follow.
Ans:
2h51
